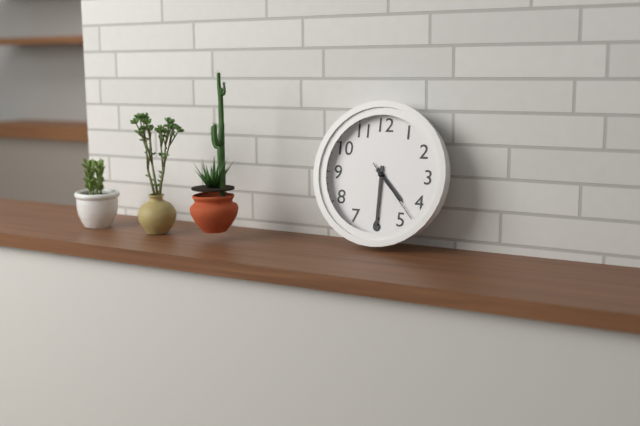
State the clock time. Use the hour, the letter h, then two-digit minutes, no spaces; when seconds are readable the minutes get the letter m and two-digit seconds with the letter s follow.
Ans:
4h30m23s
